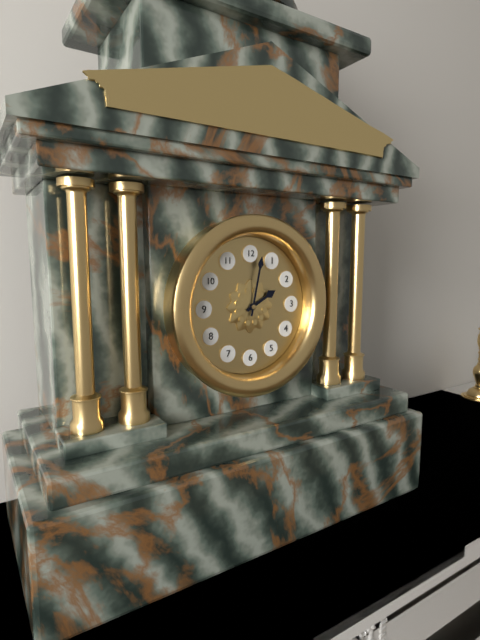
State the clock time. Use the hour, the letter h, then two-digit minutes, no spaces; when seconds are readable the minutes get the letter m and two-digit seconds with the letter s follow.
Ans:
2h02
